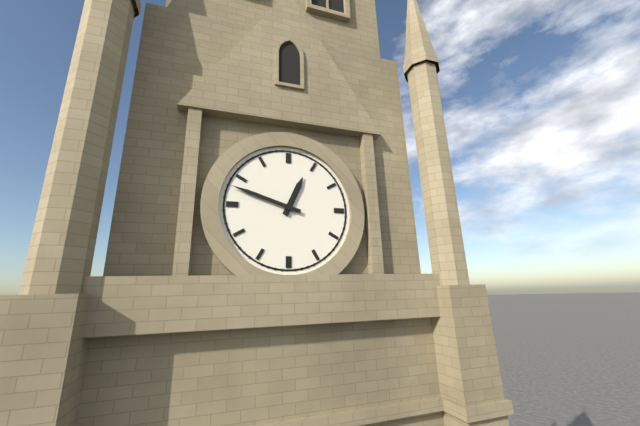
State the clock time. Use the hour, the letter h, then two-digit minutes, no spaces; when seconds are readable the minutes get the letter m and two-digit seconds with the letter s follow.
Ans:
12h48
